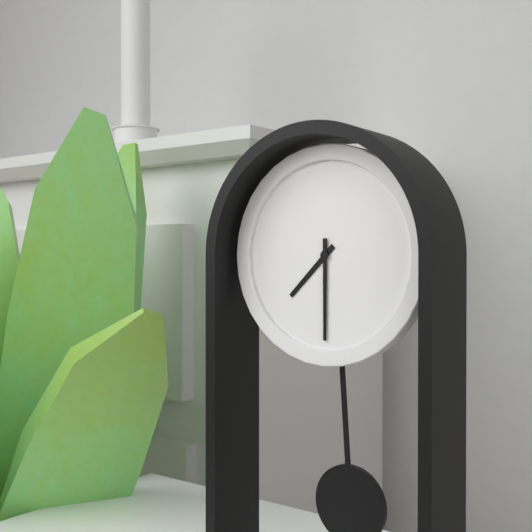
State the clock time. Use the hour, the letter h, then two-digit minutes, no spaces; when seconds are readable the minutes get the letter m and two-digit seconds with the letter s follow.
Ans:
7h30
